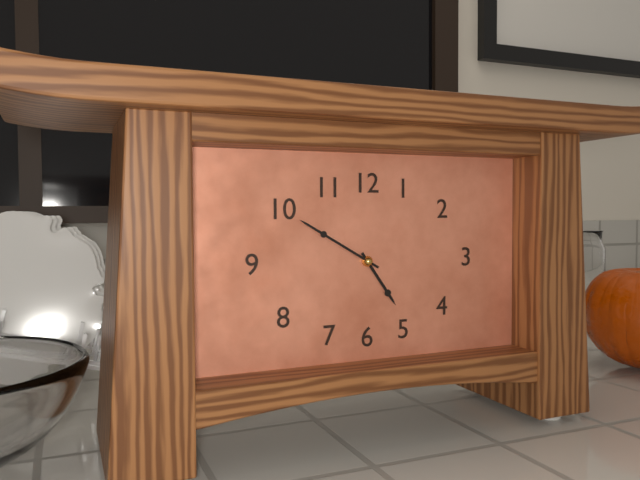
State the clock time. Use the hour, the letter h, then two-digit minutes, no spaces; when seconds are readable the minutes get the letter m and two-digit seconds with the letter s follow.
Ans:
4h50
